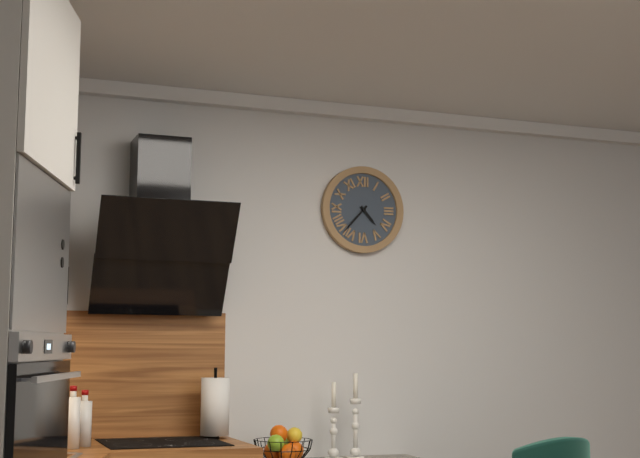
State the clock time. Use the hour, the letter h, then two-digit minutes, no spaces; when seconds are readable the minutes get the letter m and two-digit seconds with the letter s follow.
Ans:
4h37
